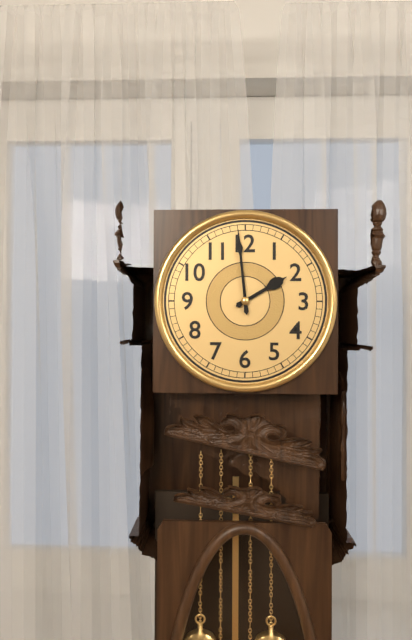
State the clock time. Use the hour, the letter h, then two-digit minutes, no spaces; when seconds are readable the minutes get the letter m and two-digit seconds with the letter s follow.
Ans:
1h59
